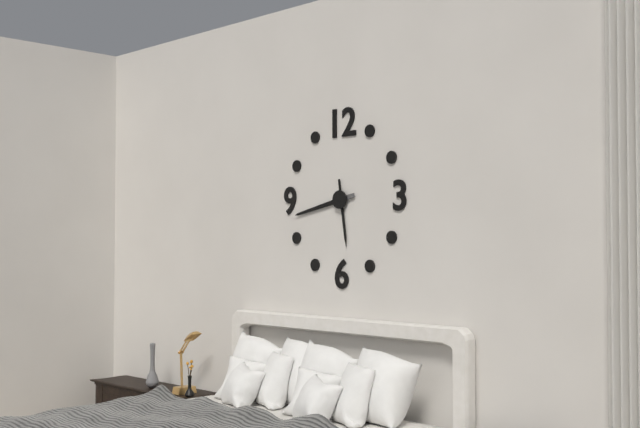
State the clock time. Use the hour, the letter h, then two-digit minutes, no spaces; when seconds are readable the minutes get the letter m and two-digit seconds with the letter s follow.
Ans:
5h43
